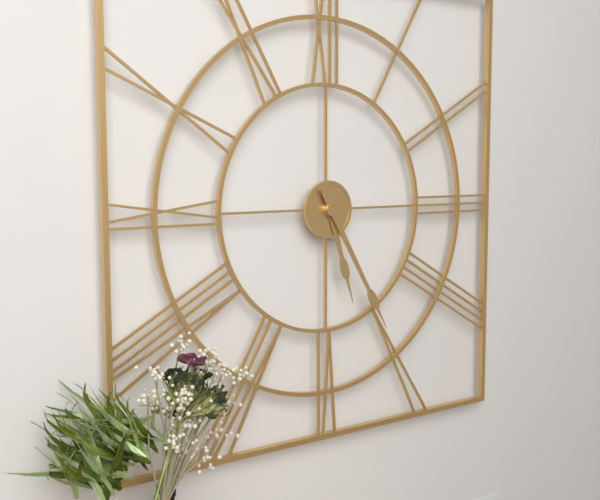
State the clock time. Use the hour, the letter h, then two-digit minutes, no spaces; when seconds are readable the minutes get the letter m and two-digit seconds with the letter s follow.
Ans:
5h25
